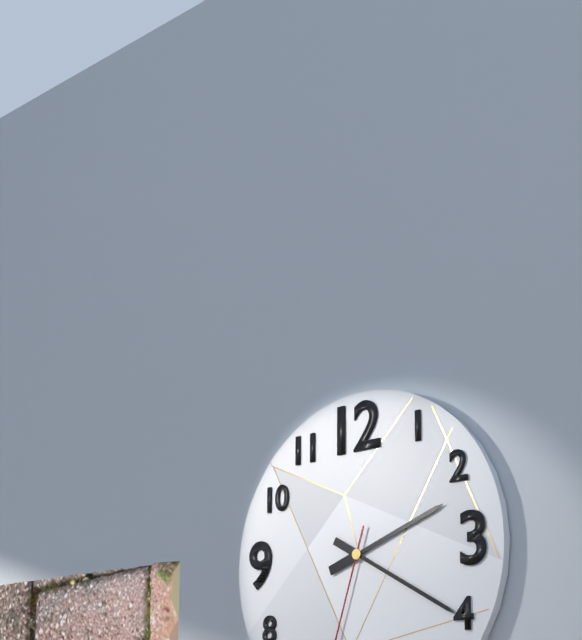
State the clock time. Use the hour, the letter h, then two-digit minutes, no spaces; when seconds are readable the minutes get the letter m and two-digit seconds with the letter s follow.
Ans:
2h20
